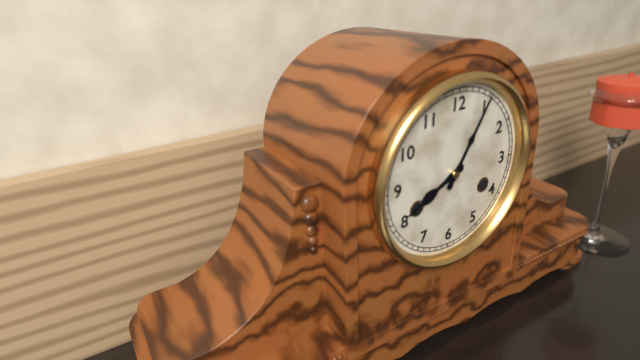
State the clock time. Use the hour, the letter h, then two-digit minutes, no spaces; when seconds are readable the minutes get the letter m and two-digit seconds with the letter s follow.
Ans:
8h05
